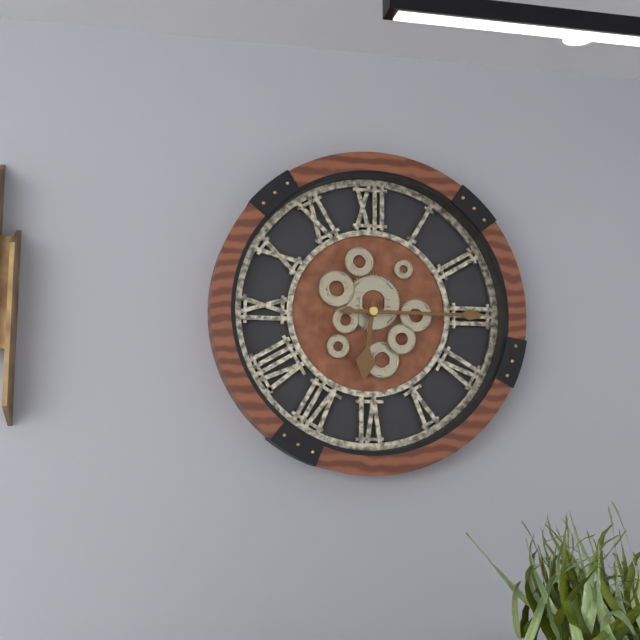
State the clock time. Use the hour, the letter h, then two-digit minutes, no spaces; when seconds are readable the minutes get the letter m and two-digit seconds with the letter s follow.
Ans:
6h15
